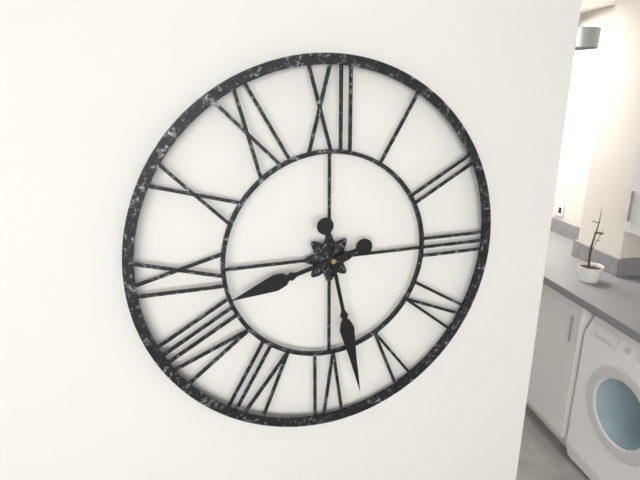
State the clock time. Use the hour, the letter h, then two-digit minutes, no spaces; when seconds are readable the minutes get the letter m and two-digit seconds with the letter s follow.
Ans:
8h28
